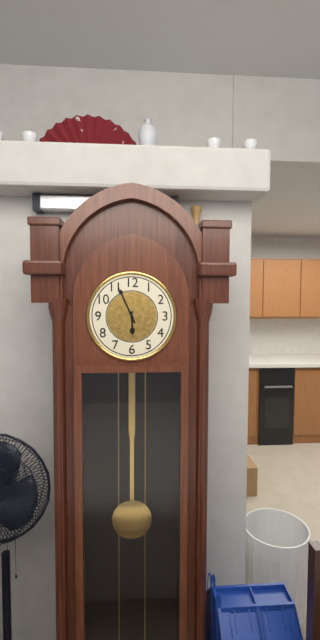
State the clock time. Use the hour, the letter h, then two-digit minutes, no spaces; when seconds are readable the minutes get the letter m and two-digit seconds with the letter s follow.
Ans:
5h56
